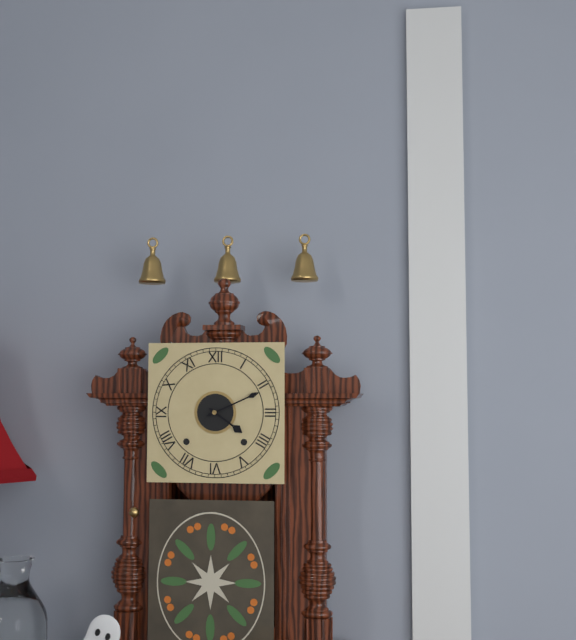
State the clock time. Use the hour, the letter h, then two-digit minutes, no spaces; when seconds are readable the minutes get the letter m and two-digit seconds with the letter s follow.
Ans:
4h11
